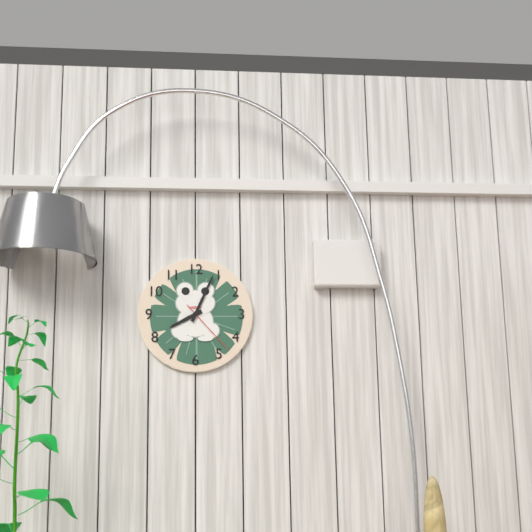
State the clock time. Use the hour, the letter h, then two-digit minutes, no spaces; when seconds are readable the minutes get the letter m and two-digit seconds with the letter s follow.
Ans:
8h04m23s
